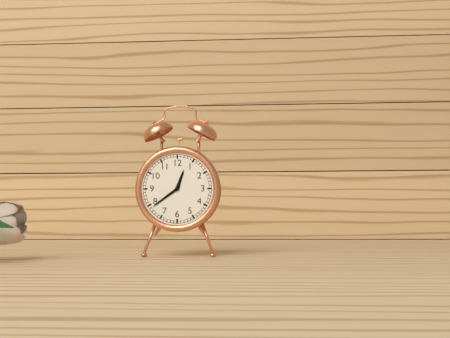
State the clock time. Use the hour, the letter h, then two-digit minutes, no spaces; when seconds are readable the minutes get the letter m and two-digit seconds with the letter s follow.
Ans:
12h39
